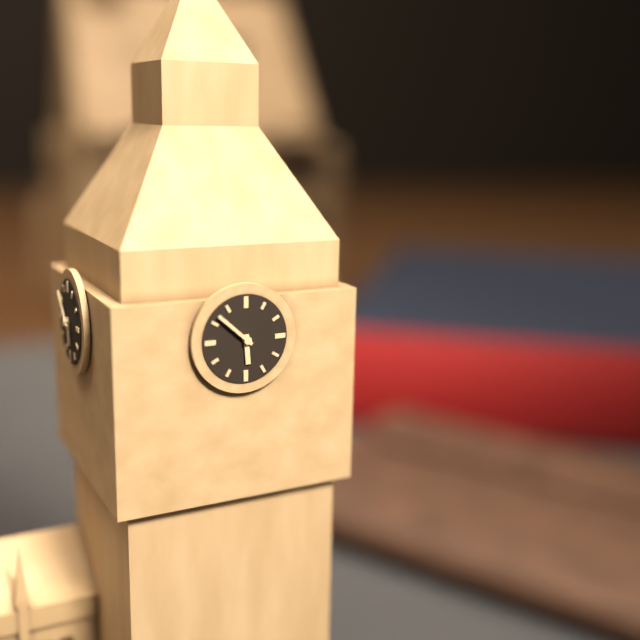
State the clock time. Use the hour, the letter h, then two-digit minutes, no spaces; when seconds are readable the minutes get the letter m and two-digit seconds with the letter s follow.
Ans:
5h52
